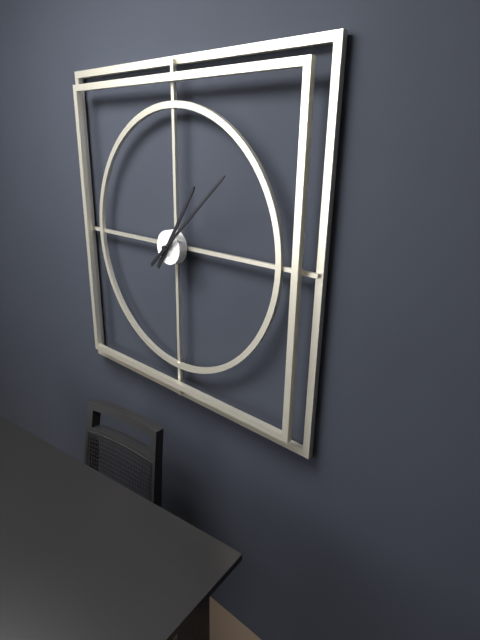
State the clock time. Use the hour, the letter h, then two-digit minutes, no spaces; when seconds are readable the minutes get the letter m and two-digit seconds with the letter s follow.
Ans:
1h08
